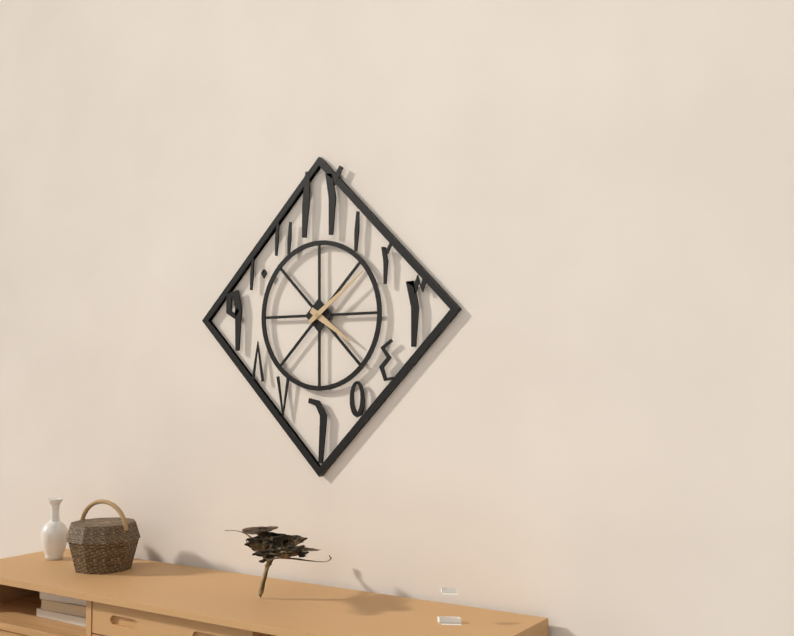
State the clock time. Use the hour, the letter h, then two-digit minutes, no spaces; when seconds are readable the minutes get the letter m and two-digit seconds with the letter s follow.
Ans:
4h09
